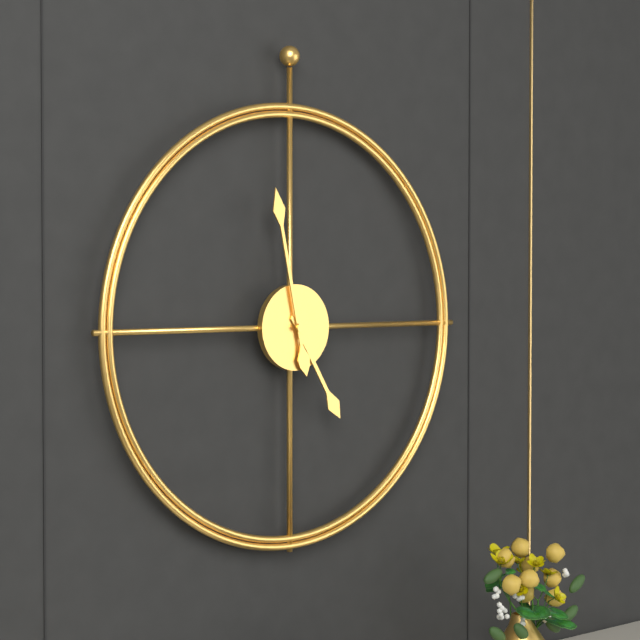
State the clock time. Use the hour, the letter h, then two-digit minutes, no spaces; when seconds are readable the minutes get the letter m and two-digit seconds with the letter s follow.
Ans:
4h58
